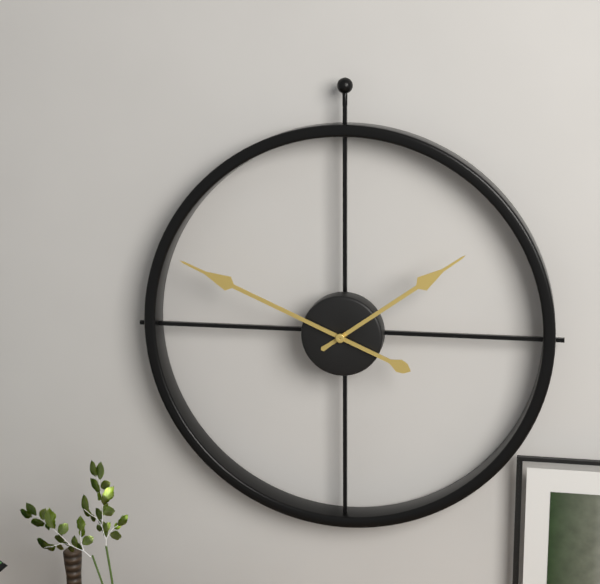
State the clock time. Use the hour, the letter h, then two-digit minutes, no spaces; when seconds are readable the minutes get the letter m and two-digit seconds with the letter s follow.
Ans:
1h49
